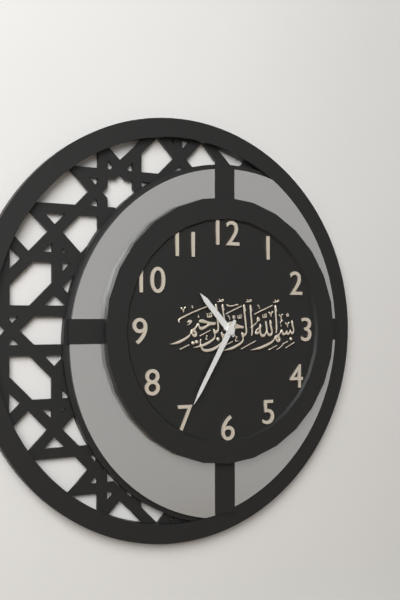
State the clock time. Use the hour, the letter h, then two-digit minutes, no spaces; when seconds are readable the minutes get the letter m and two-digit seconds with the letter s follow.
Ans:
10h35
